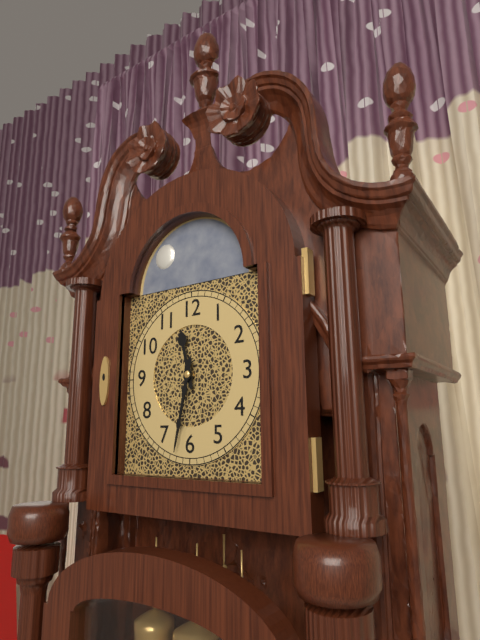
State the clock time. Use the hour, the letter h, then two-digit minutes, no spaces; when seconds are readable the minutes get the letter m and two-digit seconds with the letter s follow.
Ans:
11h32
